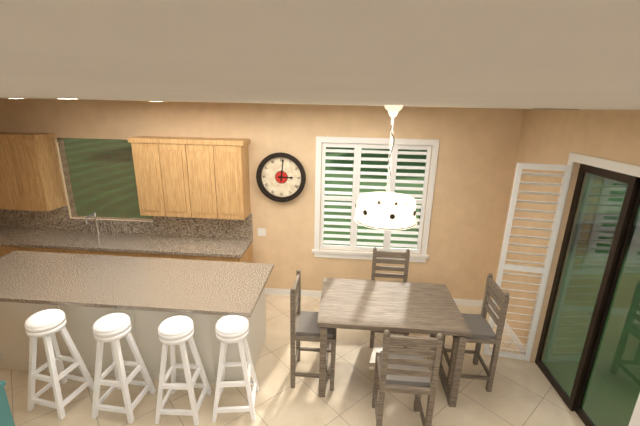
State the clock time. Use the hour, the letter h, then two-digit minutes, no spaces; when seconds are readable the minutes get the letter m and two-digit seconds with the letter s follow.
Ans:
3h01
